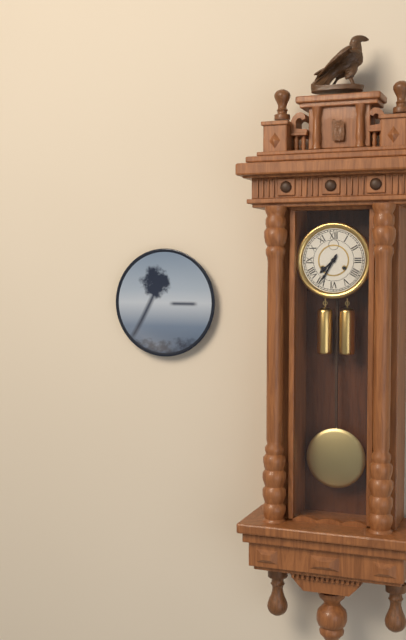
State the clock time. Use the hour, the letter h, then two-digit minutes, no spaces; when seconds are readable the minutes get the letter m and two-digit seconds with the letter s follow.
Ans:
7h35
